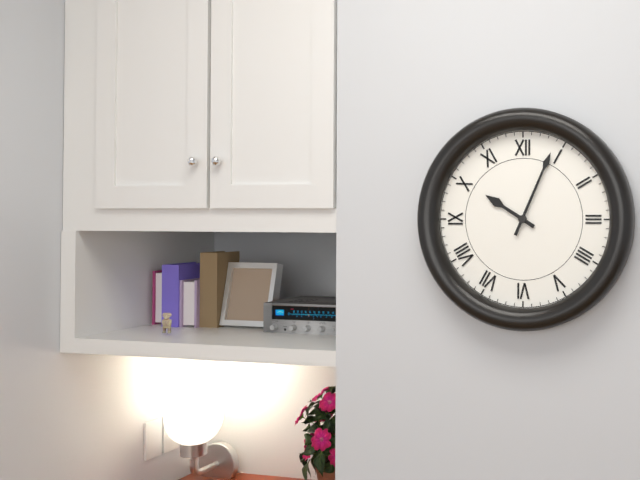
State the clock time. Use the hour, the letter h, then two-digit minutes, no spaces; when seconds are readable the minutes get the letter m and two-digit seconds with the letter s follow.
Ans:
10h04
